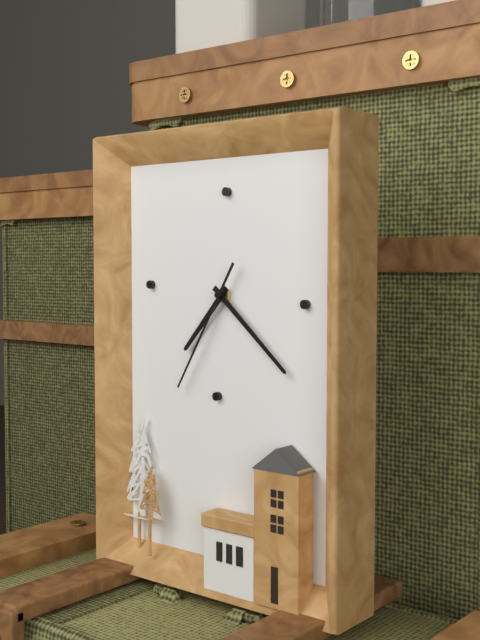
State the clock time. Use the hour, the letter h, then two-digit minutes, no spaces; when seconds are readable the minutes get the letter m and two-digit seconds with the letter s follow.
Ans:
7h22m35s
